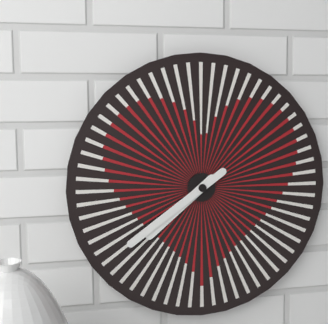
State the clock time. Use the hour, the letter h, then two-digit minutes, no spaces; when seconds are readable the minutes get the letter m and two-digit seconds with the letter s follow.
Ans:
7h39
